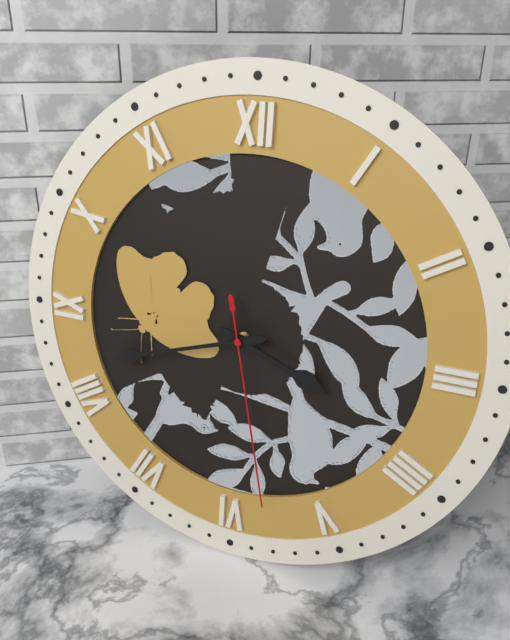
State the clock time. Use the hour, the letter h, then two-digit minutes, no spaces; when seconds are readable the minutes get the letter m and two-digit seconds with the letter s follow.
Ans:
3h42m28s
